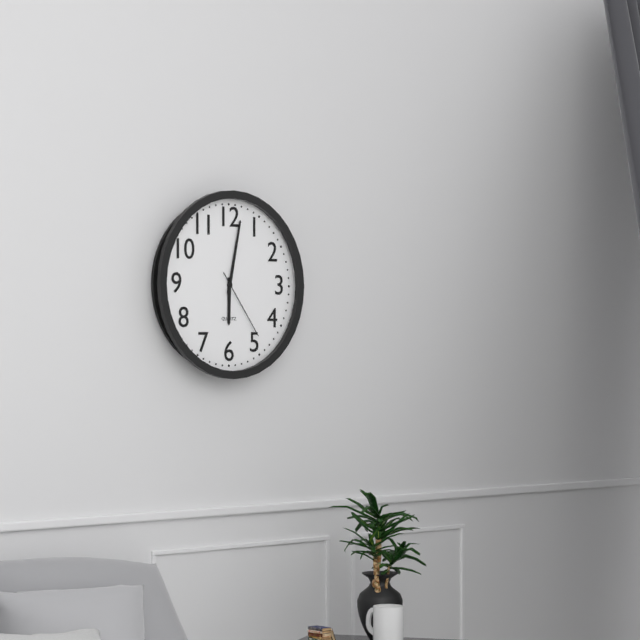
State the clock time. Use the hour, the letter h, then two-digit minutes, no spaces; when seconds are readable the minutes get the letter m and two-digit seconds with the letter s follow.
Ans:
6h02m24s
